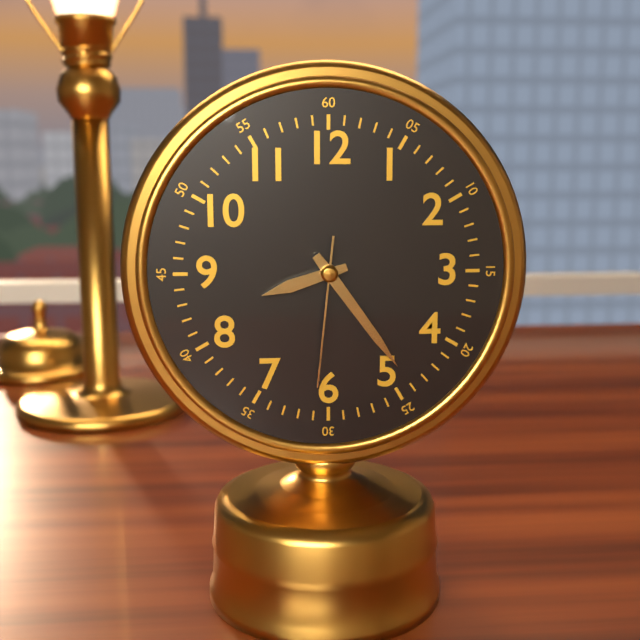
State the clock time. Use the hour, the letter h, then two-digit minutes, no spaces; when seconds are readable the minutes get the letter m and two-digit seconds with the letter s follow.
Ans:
8h24m31s
